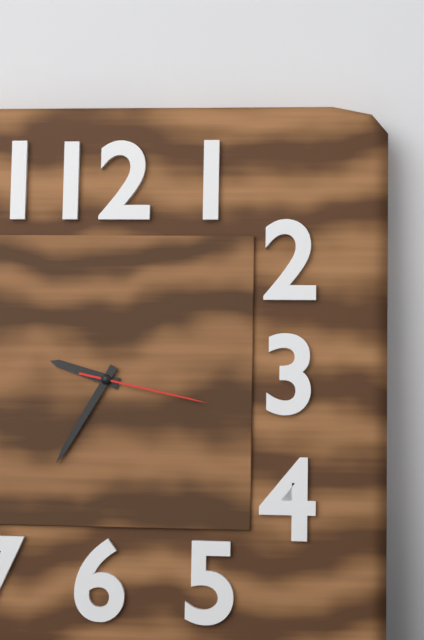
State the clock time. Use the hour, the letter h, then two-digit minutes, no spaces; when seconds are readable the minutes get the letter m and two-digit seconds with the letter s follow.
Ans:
9h35m17s
